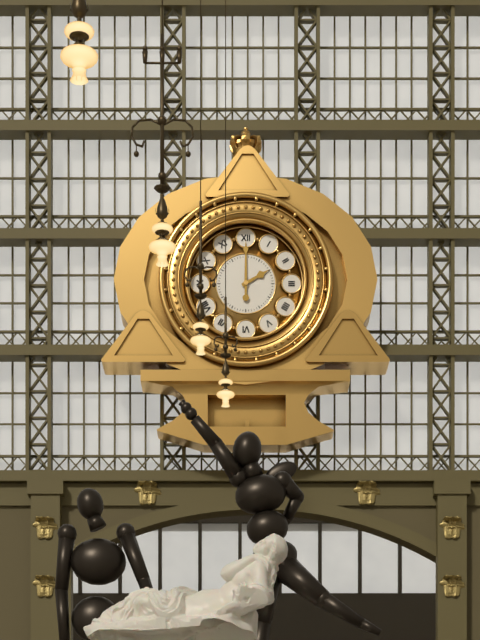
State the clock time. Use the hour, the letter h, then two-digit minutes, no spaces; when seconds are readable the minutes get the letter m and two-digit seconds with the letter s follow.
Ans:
2h00
